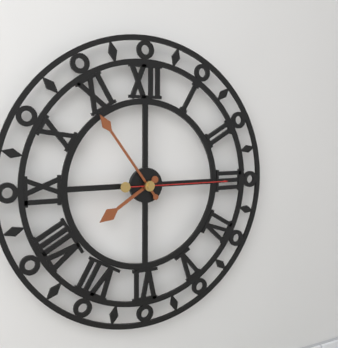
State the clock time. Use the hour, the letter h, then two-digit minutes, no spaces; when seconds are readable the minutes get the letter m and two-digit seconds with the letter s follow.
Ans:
7h54m15s
